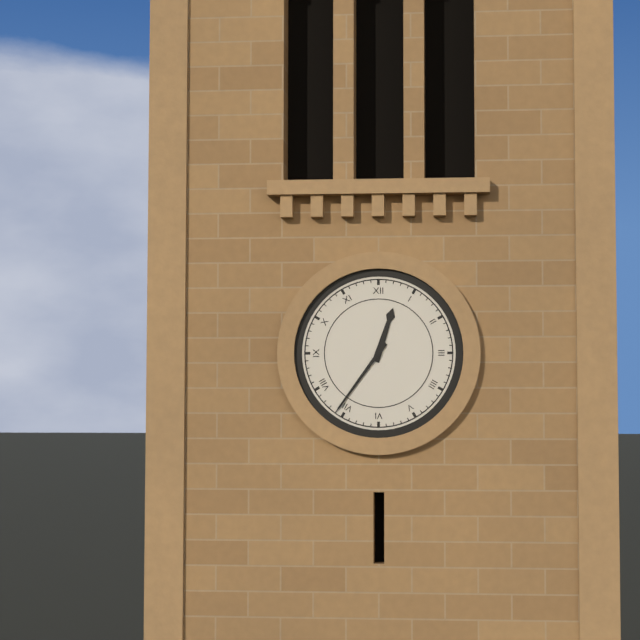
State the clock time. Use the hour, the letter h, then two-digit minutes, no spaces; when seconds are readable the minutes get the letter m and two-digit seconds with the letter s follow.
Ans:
12h36
